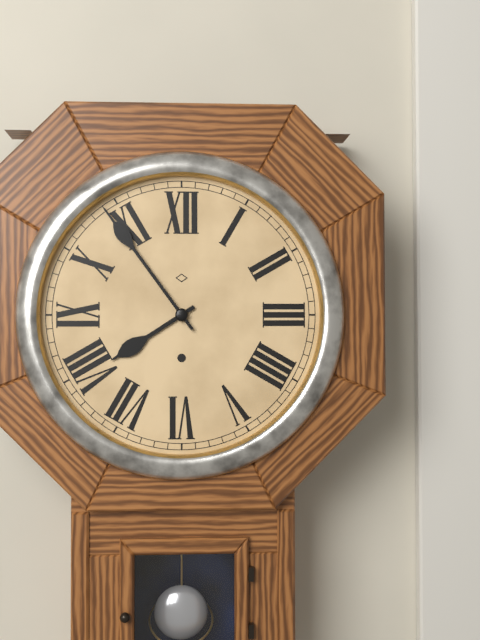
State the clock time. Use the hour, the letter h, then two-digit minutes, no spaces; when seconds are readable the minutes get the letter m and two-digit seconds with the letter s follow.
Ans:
7h54
